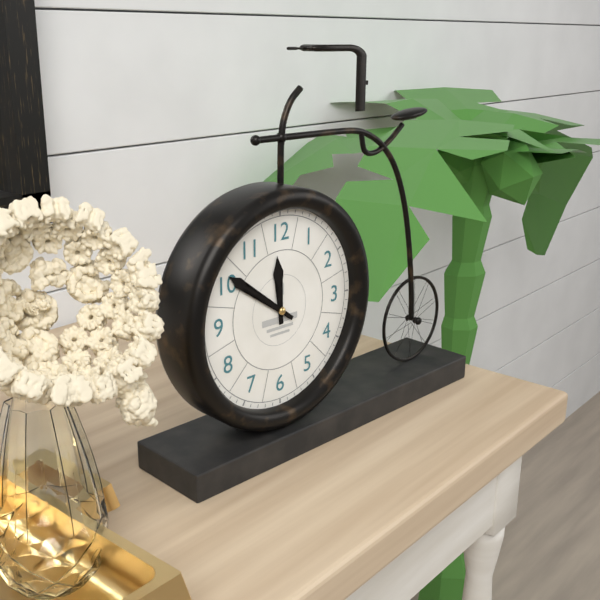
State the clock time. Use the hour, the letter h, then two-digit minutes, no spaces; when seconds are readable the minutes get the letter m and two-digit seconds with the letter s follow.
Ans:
11h51
